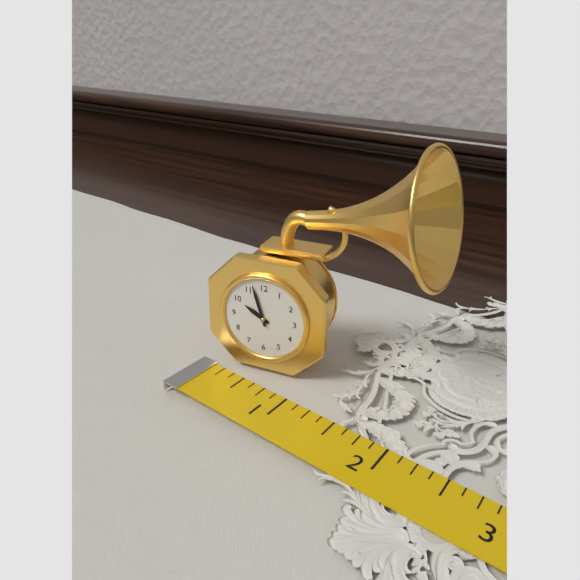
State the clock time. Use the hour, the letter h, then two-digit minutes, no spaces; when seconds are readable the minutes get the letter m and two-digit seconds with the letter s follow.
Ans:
9h57
